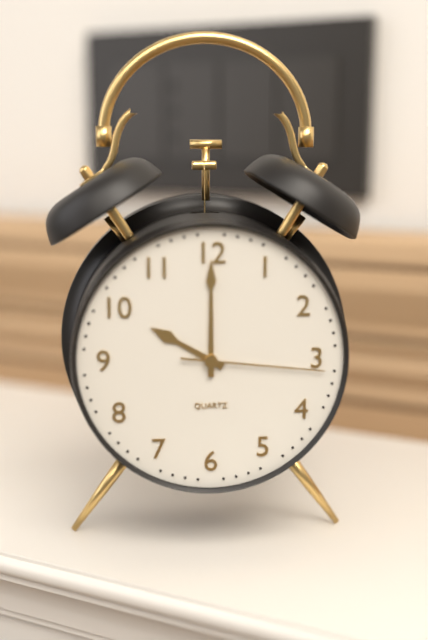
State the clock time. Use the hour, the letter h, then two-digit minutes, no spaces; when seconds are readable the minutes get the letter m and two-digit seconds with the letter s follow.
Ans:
10h00m16s
